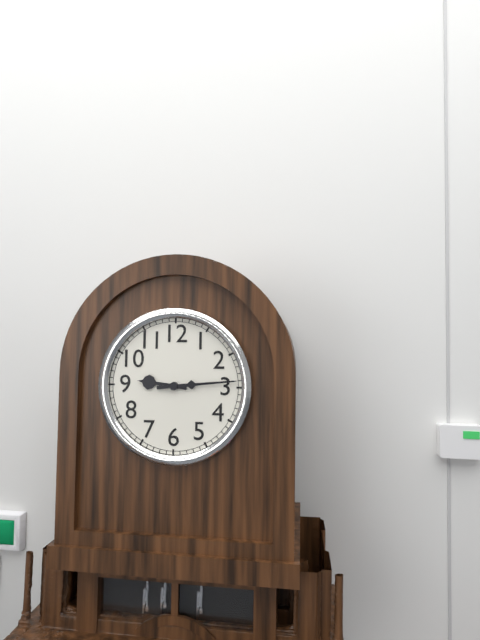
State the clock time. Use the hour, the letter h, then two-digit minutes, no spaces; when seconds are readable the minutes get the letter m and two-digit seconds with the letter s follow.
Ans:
9h14
